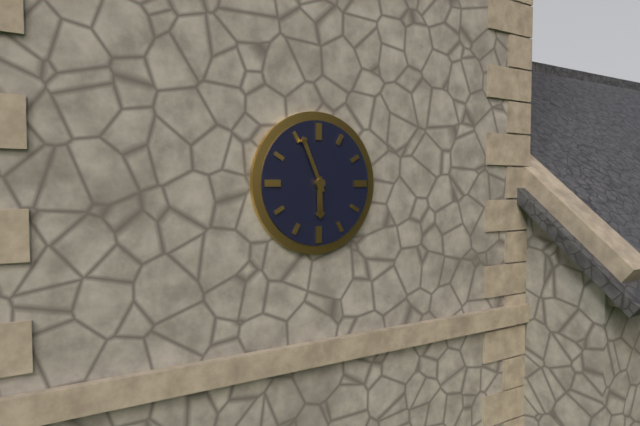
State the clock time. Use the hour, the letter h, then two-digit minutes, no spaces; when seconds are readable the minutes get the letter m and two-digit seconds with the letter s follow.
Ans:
5h56
